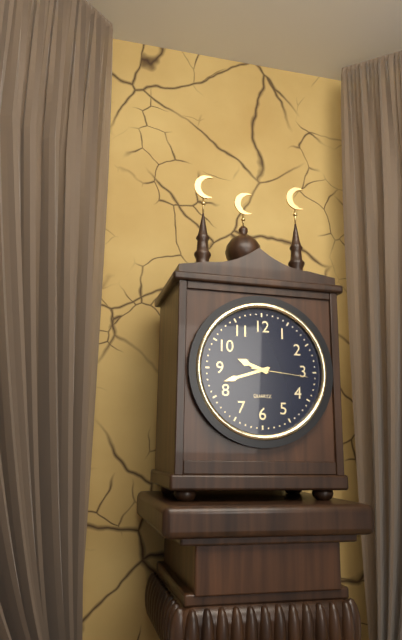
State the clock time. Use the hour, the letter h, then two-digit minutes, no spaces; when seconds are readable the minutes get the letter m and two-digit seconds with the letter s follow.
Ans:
9h42m16s
